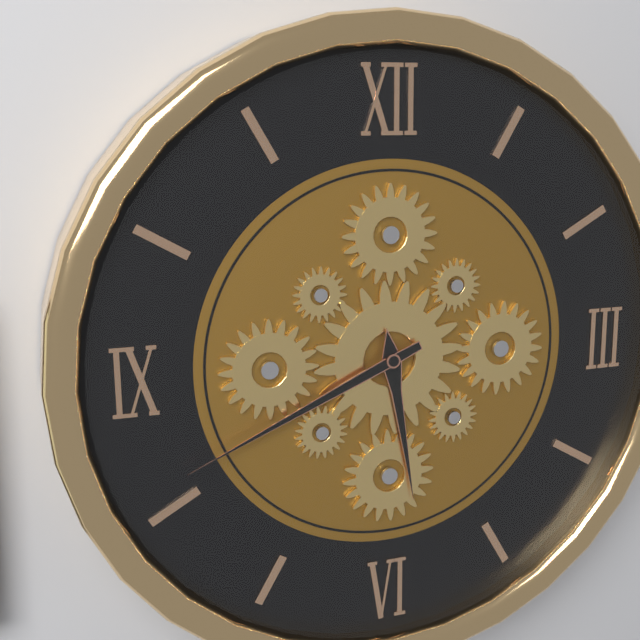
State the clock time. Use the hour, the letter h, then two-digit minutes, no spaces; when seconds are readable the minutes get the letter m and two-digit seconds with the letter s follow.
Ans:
5h41
